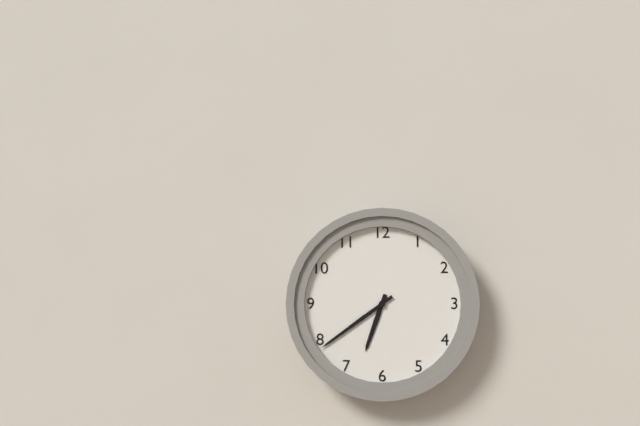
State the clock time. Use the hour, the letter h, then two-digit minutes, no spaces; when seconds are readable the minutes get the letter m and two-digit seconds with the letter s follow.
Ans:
6h39
